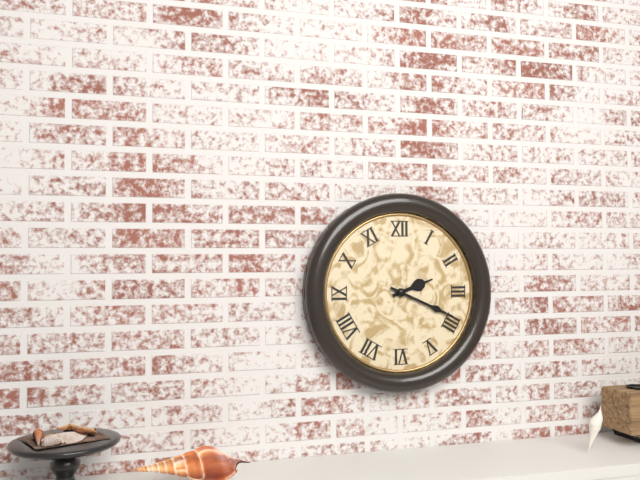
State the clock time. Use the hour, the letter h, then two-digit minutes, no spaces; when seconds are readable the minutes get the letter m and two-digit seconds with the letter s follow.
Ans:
2h19
